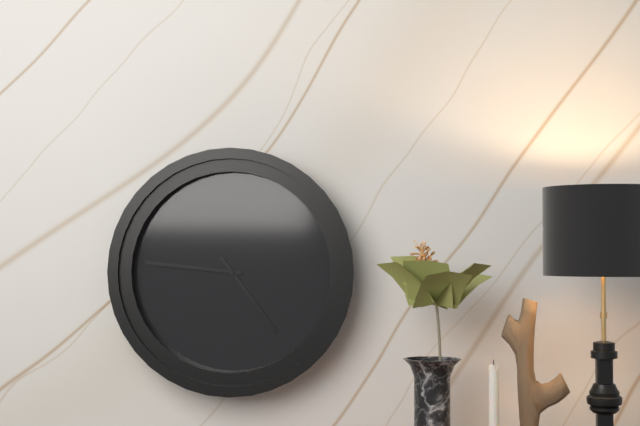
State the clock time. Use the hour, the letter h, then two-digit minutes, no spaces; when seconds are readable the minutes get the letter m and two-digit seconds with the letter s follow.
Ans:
4h46
